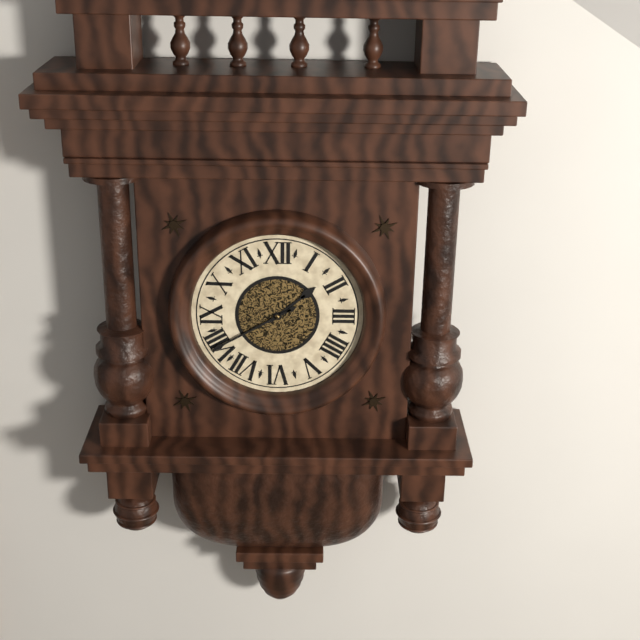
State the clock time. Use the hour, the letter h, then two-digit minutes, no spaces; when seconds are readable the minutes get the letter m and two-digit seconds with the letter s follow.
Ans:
1h40
